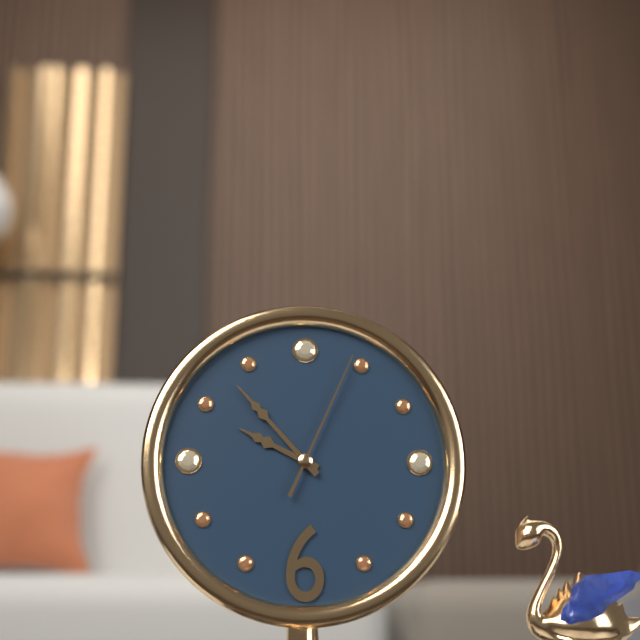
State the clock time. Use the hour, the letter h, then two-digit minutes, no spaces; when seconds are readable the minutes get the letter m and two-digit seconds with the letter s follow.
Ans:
9h53m04s
